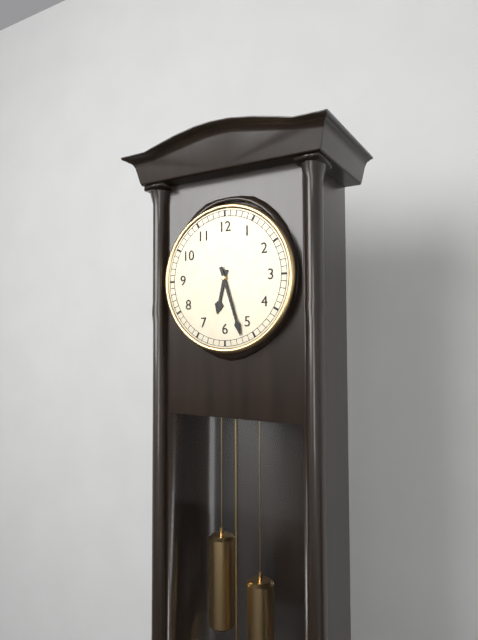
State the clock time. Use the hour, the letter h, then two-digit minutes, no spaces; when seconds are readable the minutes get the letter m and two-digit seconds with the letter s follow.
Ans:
6h27
